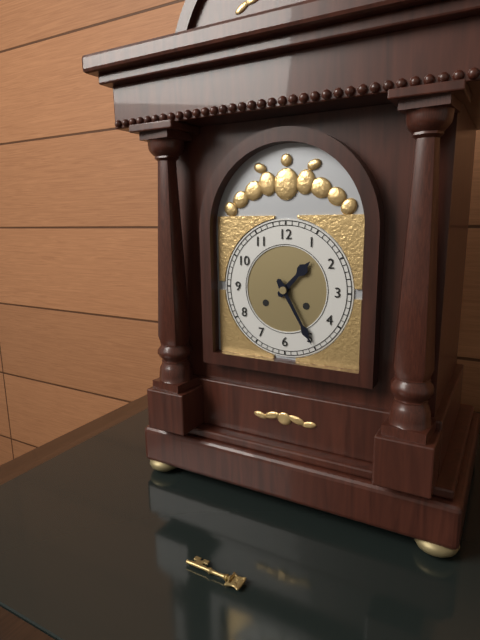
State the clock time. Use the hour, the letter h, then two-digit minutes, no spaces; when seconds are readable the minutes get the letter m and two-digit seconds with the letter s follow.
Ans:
1h25
